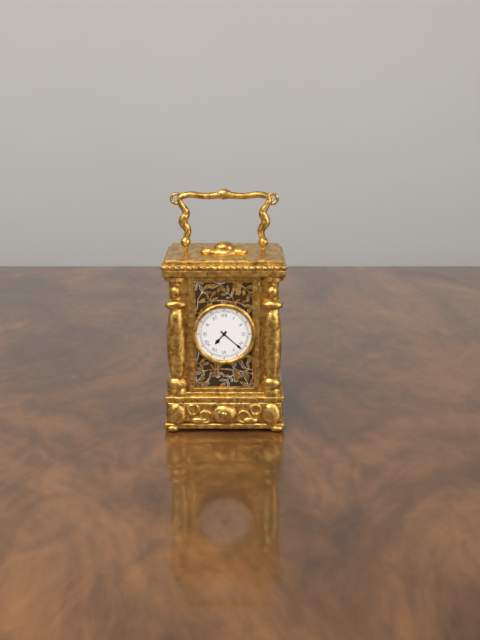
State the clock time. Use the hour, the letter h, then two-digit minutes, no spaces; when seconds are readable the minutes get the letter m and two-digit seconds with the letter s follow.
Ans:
7h22
